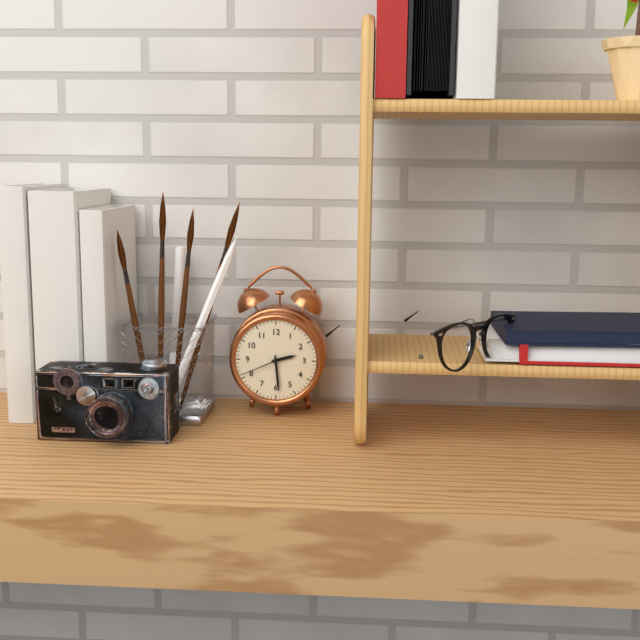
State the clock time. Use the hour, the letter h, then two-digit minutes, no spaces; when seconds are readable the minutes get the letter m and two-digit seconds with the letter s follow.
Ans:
2h29
